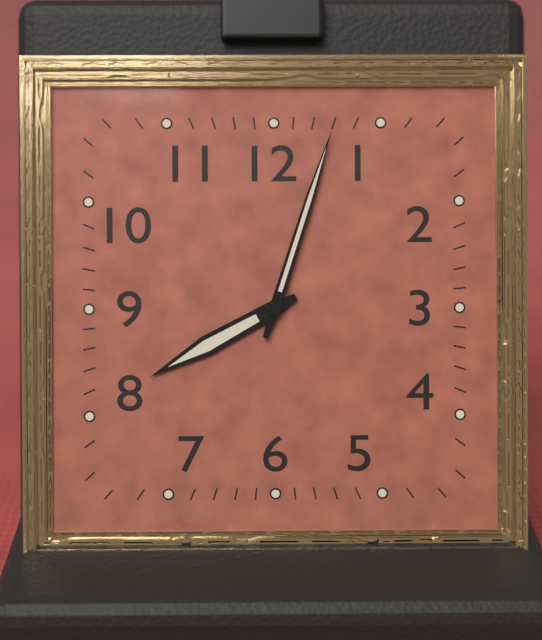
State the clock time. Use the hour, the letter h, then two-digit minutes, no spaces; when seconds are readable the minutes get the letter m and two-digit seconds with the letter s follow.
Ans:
8h03
